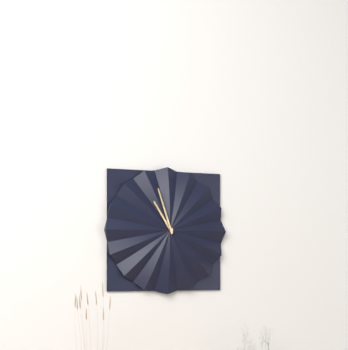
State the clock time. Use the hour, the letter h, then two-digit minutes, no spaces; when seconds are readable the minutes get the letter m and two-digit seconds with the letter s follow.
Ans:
10h57
